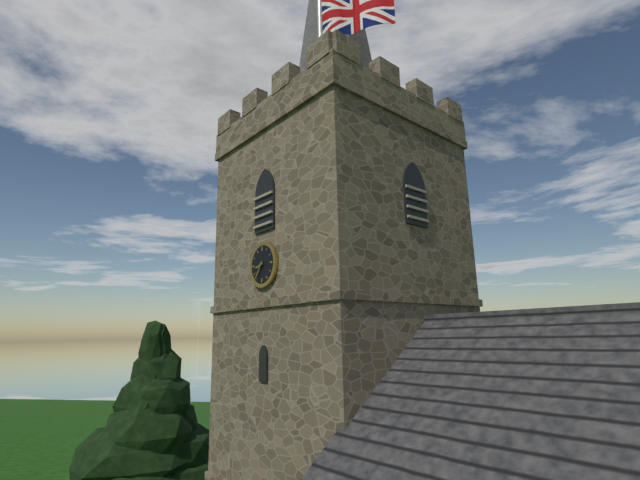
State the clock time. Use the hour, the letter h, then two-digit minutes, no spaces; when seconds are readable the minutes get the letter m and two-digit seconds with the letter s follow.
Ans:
8h36
